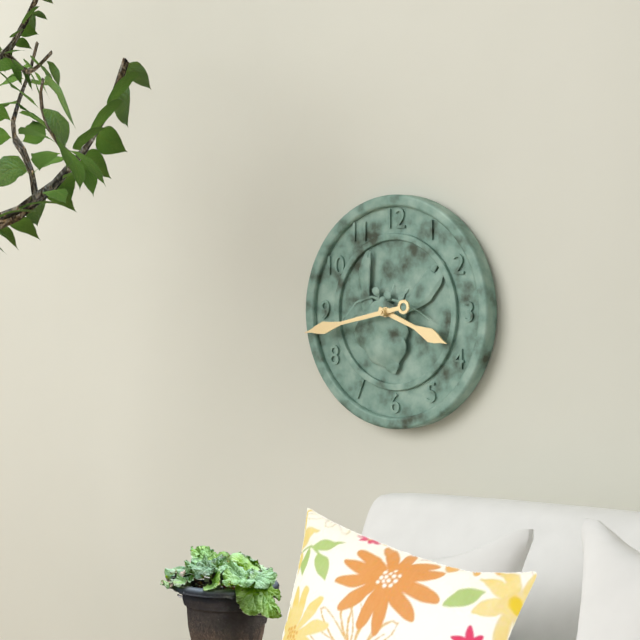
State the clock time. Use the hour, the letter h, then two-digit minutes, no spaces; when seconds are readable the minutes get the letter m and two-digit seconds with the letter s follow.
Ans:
3h43
